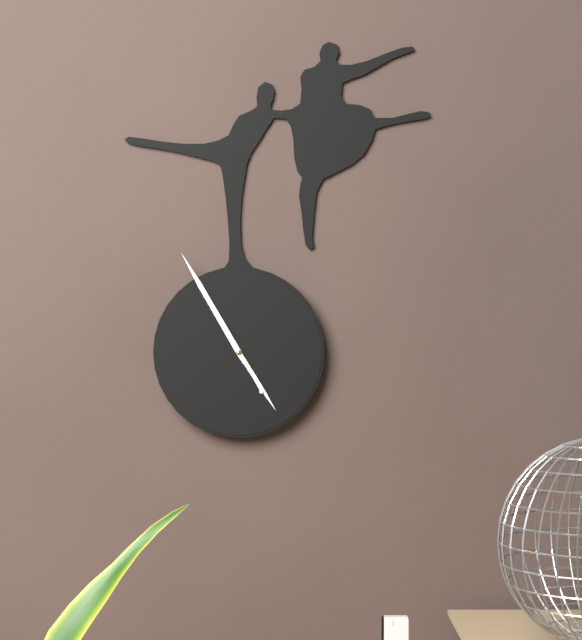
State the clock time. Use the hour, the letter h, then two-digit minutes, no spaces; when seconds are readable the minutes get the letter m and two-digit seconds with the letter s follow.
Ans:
4h55m55s
